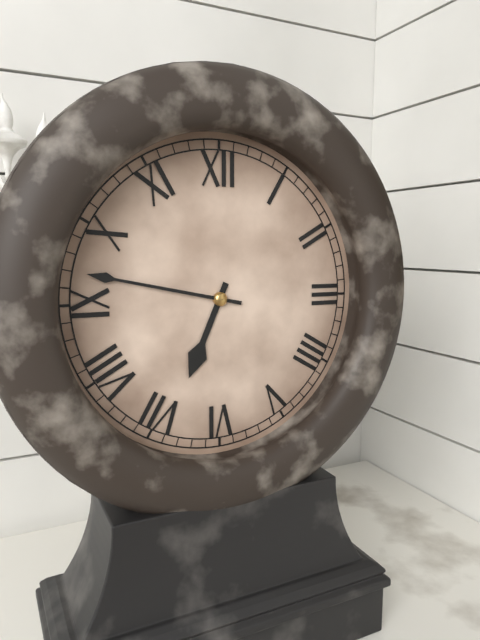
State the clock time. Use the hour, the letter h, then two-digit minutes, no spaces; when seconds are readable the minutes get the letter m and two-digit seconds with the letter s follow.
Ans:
6h47
